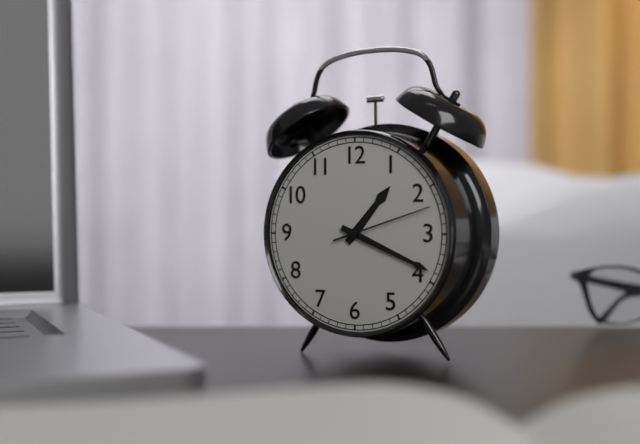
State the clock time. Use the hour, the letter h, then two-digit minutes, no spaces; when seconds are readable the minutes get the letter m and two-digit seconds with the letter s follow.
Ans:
1h19m12s
